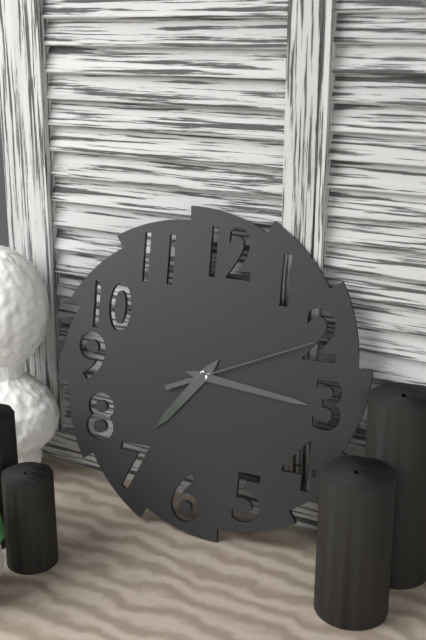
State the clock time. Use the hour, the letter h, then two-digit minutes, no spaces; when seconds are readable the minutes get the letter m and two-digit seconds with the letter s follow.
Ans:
7h16m11s
